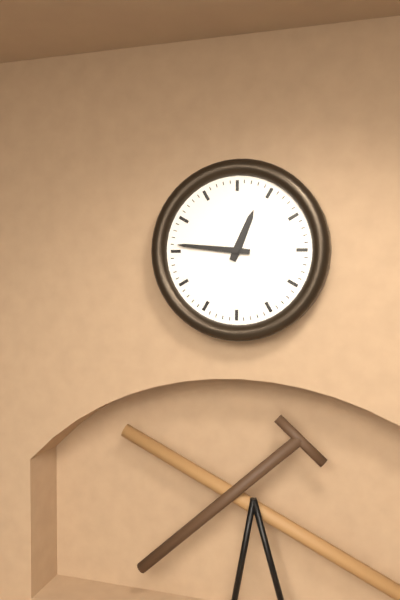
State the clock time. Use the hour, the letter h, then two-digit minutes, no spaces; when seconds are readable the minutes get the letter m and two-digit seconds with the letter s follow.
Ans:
12h46
